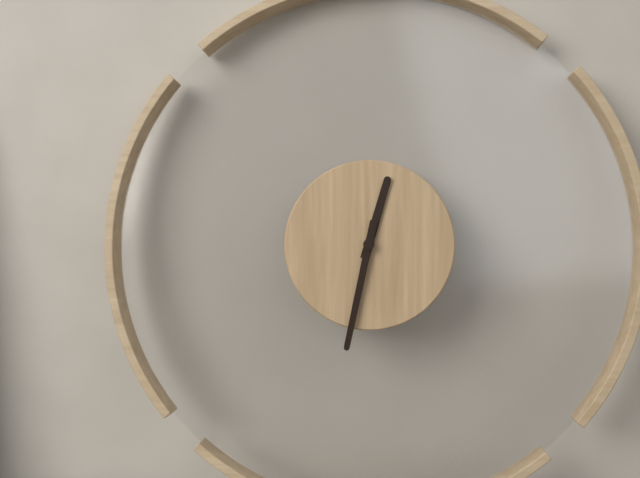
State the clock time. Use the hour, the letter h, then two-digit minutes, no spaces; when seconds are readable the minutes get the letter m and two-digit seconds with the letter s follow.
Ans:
12h32
